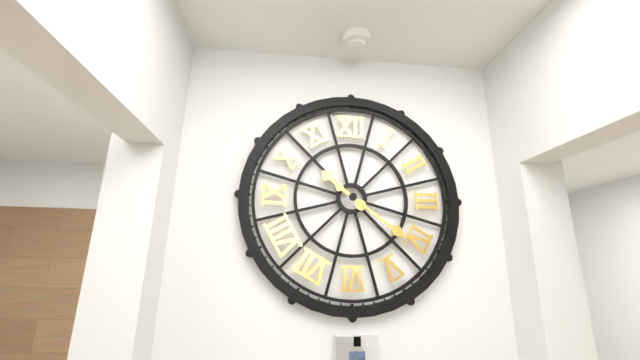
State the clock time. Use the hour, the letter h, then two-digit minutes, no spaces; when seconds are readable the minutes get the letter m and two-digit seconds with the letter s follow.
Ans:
10h21
